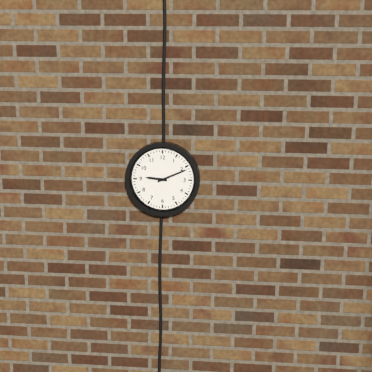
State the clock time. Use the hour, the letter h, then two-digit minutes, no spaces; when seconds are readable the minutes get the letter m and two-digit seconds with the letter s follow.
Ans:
9h11
